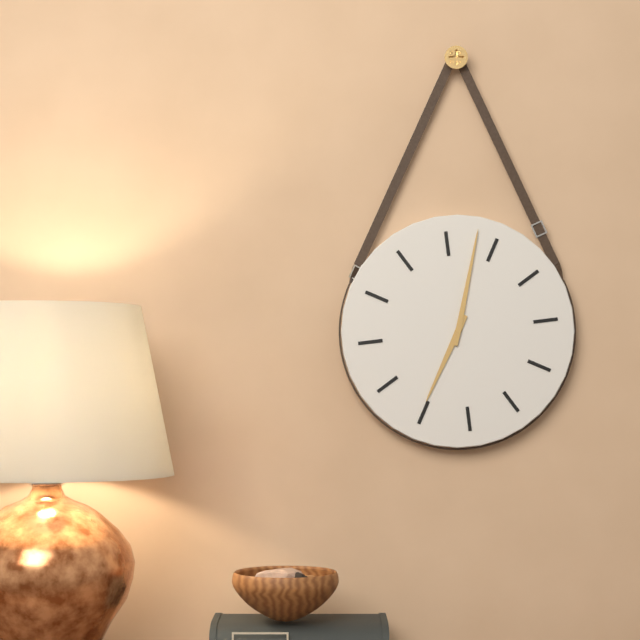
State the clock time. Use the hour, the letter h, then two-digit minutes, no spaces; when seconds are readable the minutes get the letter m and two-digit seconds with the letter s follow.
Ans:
7h03
